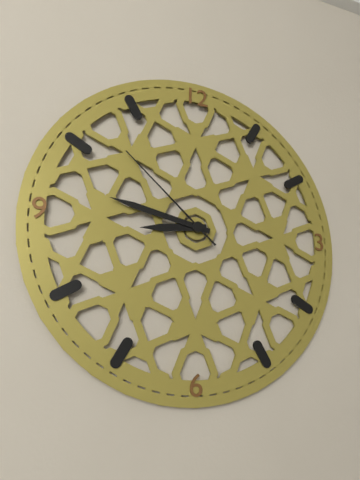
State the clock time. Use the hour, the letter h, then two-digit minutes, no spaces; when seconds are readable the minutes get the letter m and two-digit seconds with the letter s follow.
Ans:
8h47m52s
